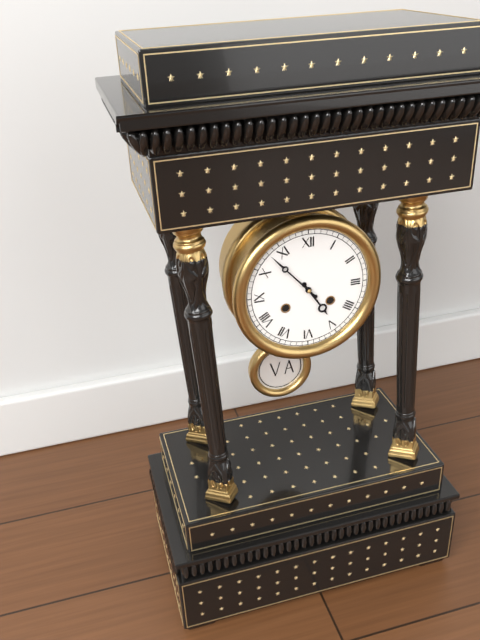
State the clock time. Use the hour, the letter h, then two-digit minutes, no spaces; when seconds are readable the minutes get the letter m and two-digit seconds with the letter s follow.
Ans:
4h53
